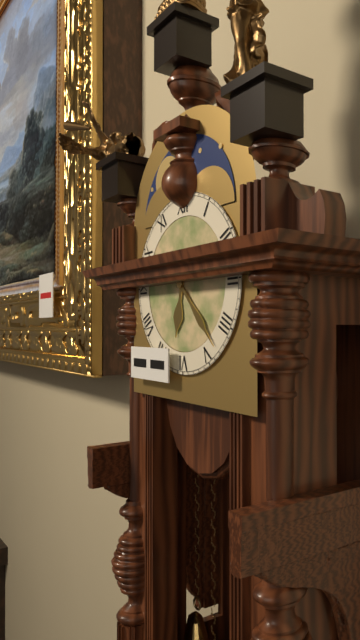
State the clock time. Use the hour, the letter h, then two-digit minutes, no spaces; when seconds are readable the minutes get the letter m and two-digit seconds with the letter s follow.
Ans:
6h23
